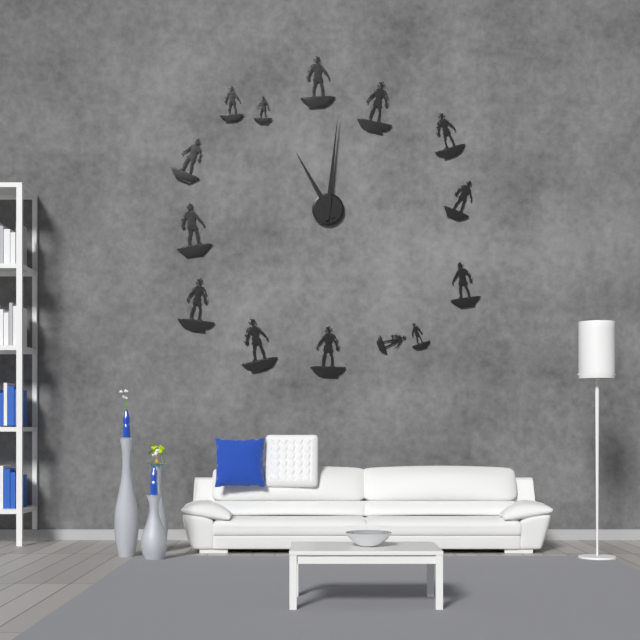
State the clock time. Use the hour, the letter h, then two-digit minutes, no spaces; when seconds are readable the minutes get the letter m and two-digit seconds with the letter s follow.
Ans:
11h01
